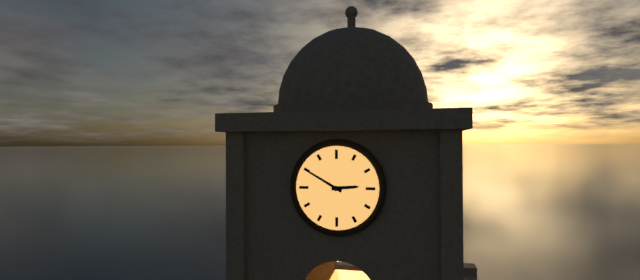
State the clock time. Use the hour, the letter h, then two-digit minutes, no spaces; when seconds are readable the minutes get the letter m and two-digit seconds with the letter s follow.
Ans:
2h50
